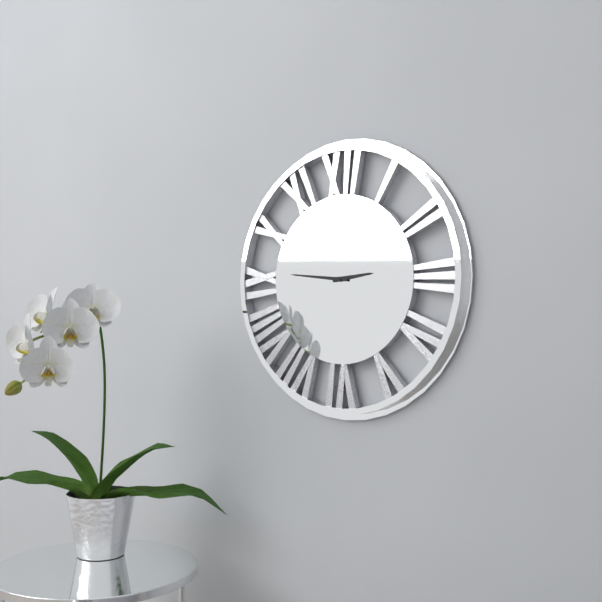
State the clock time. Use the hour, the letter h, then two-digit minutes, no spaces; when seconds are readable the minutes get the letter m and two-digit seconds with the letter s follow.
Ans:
2h46
